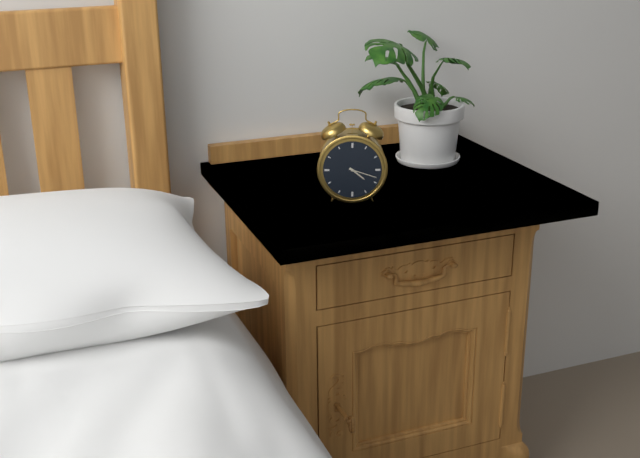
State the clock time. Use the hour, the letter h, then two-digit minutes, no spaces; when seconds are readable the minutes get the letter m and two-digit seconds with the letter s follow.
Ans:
4h18
